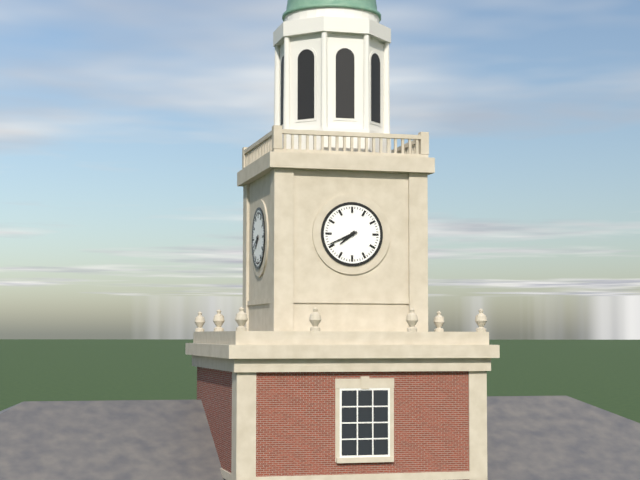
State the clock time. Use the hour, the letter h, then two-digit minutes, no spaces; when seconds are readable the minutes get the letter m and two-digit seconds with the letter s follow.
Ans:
7h41
